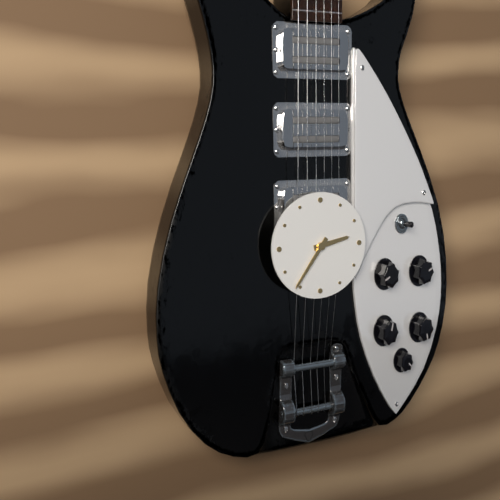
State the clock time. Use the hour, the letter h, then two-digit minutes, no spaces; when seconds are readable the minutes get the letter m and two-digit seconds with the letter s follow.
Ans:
2h36
